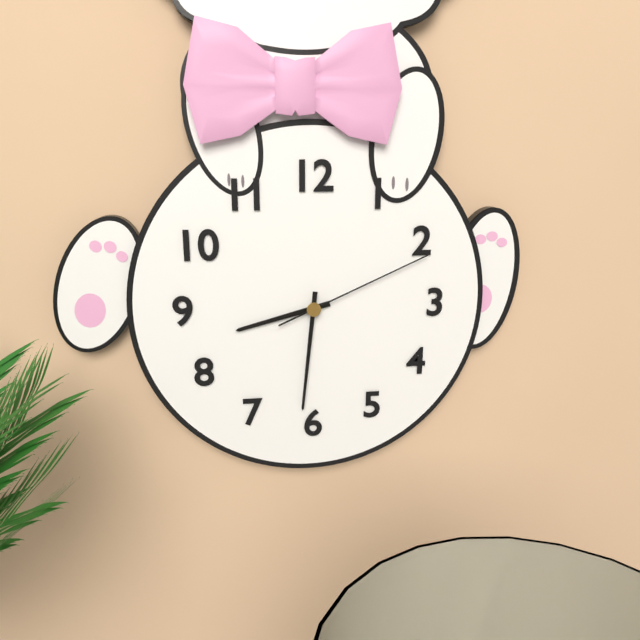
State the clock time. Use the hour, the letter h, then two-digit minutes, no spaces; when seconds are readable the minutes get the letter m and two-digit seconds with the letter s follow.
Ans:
8h31m11s
